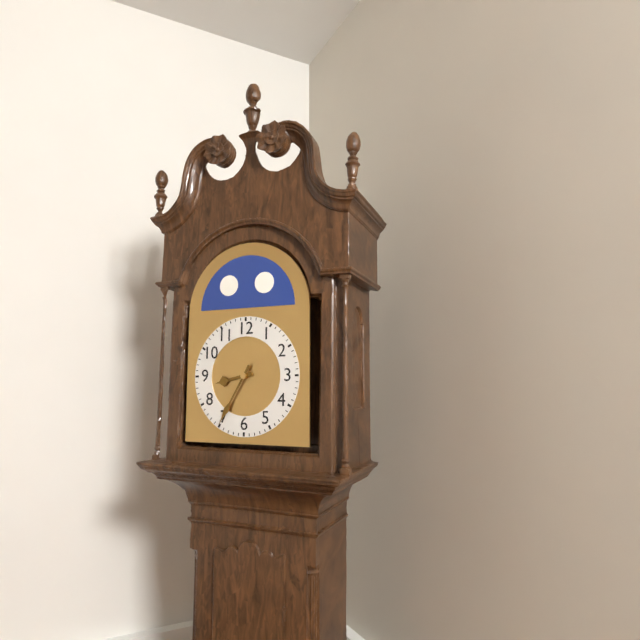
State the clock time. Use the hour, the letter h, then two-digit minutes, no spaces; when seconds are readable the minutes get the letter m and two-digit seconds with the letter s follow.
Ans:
8h35
